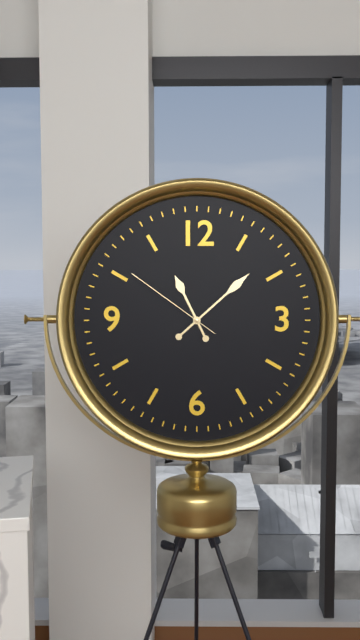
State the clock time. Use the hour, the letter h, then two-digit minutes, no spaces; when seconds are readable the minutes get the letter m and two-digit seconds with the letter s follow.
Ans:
11h08m51s
